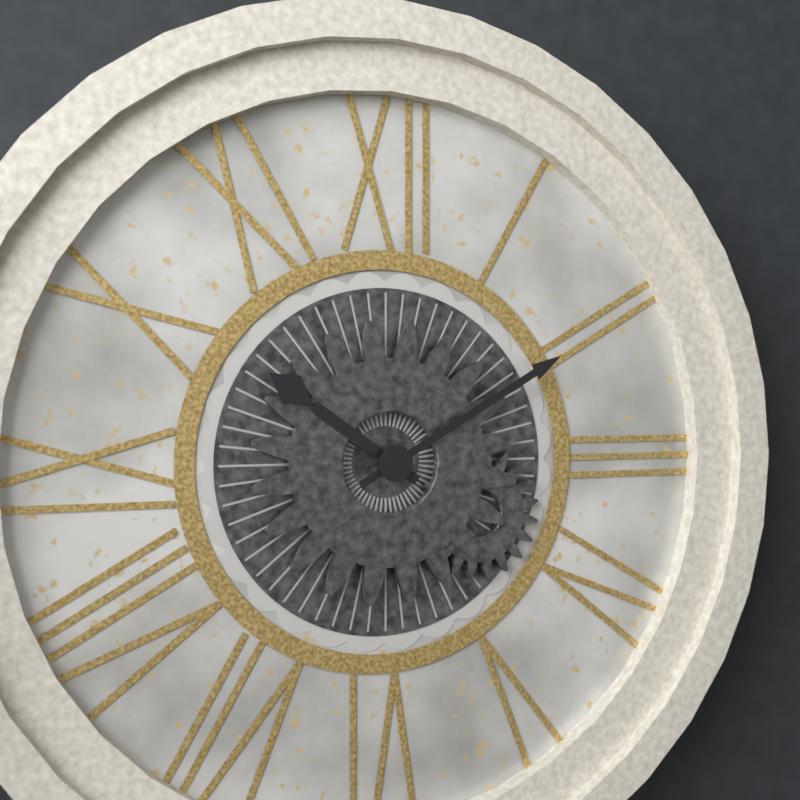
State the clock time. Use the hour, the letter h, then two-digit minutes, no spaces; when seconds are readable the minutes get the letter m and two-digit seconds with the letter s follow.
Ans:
10h10
